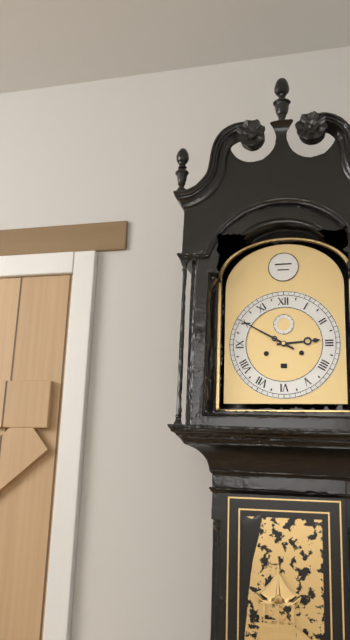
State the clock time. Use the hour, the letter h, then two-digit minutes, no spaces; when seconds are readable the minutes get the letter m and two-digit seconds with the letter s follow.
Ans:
2h50
